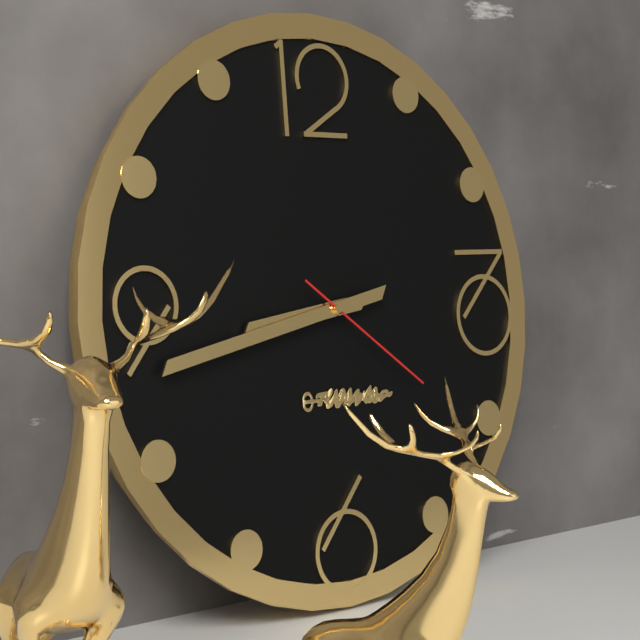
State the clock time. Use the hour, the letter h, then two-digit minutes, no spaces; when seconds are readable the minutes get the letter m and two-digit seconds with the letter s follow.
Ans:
8h43m21s
